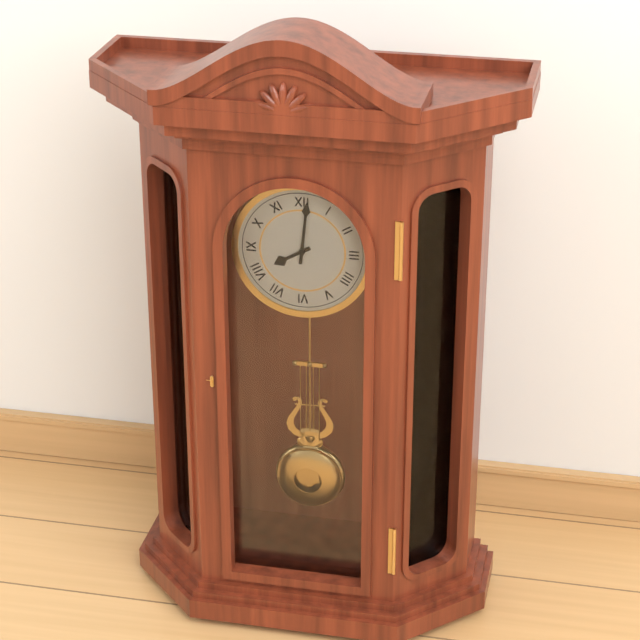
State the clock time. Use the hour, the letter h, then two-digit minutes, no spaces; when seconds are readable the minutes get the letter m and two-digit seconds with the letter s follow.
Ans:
8h01
